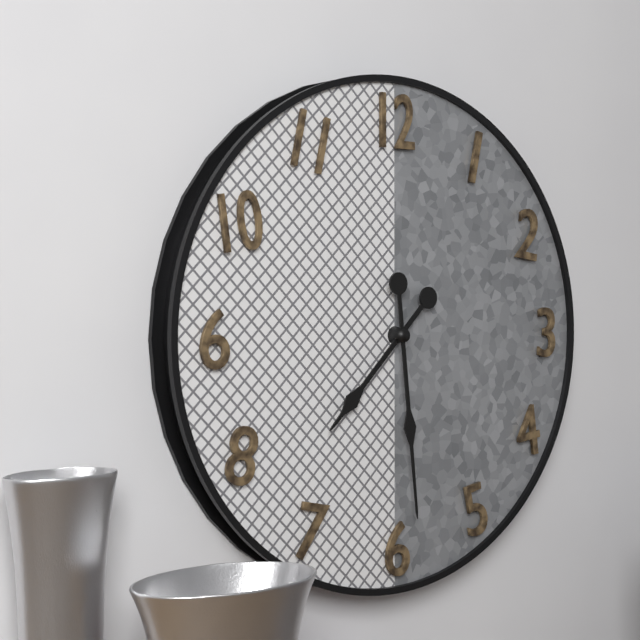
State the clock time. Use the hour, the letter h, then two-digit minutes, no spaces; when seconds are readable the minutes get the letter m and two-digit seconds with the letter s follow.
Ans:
7h29
